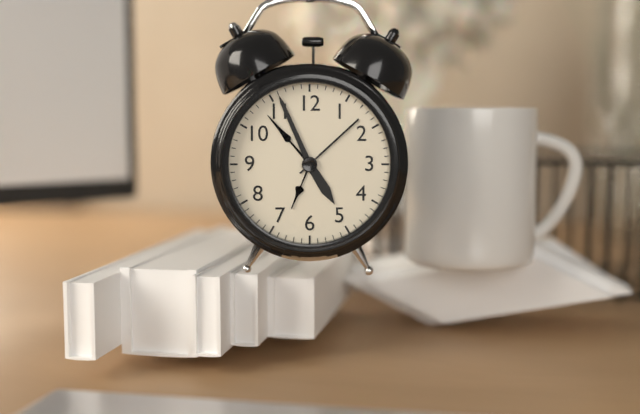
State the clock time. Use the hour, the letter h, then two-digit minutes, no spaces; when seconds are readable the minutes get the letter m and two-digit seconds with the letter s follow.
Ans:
4h56
